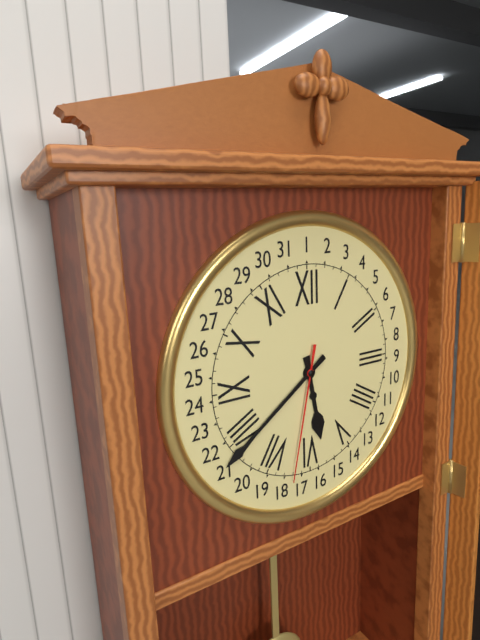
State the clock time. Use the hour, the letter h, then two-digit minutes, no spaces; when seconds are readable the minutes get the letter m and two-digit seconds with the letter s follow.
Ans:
5h39m32s
